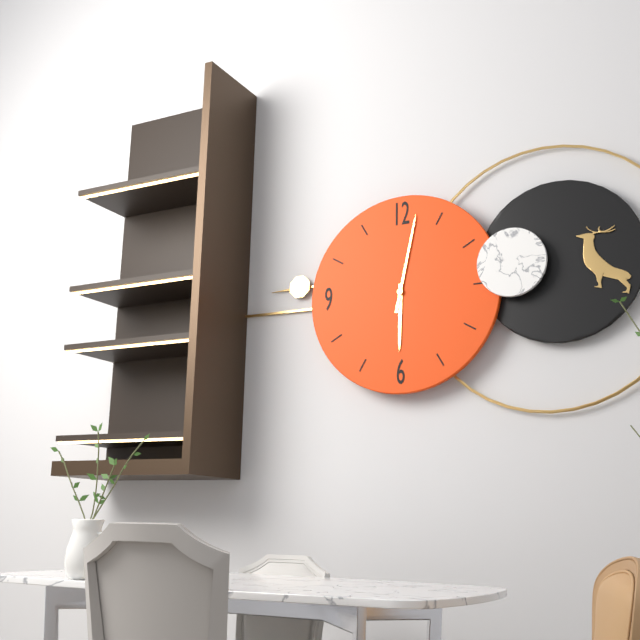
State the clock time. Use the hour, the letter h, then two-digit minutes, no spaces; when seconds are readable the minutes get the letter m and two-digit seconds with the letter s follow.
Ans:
6h02
